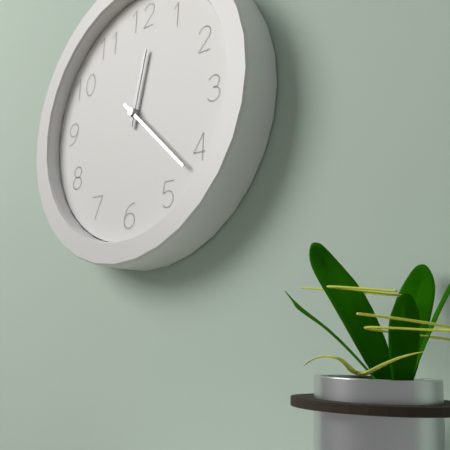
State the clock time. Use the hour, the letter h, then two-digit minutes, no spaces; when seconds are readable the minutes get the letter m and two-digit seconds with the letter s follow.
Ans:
12h22
